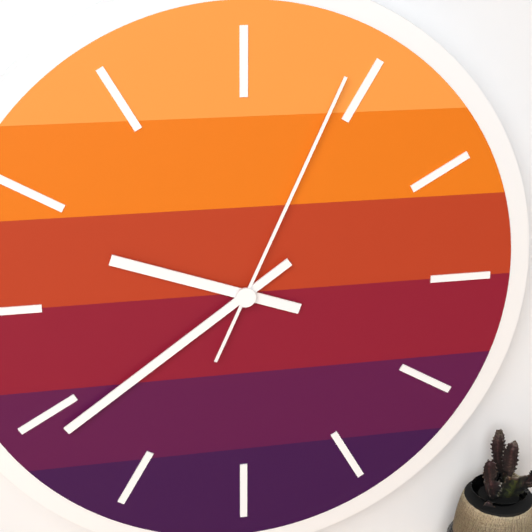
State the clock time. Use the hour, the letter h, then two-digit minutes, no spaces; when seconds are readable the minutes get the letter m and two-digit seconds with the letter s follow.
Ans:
9h39m04s
